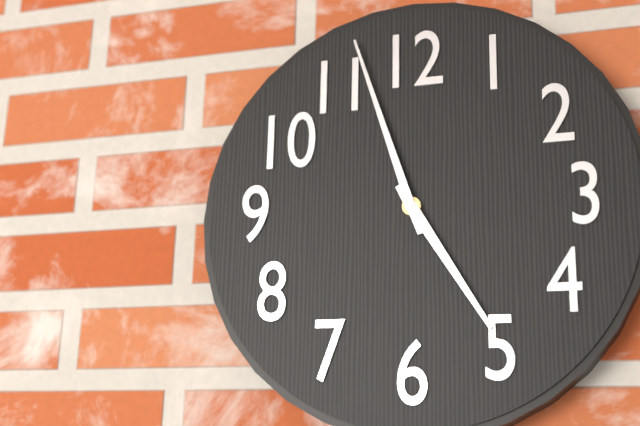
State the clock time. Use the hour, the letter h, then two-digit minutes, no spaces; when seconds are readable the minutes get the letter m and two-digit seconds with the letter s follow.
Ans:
4h57
